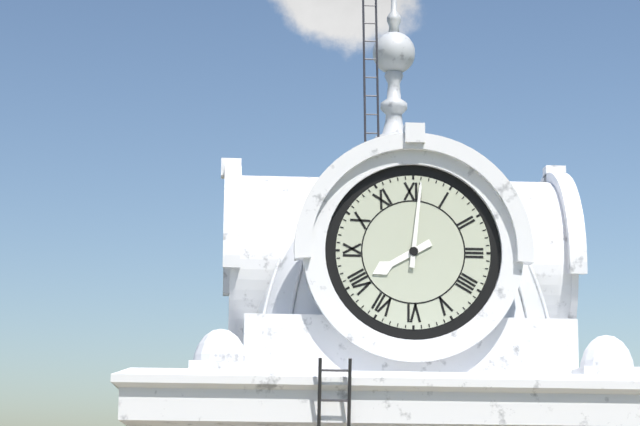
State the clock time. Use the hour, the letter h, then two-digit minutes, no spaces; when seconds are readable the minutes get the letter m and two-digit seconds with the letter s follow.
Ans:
8h01
